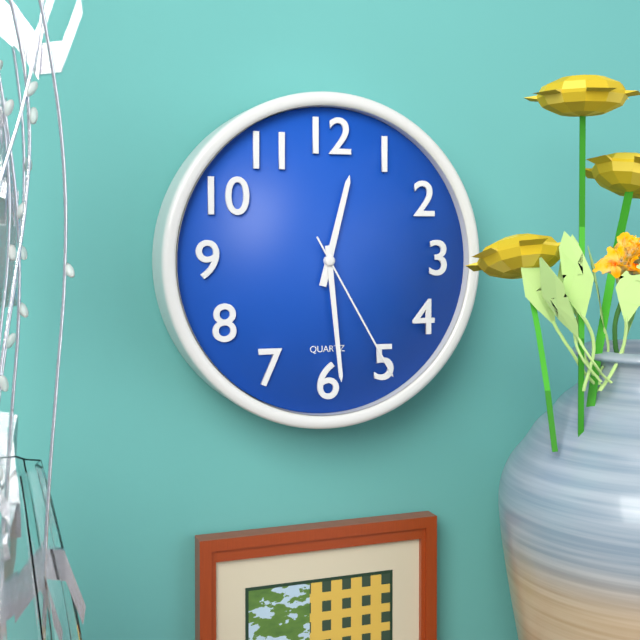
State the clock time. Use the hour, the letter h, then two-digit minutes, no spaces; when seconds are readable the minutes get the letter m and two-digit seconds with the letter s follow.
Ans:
12h29m25s
